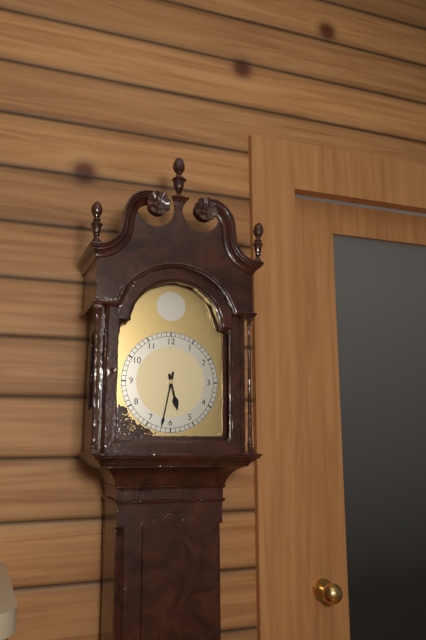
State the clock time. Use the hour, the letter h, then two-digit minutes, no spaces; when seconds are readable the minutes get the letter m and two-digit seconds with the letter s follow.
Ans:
5h32
